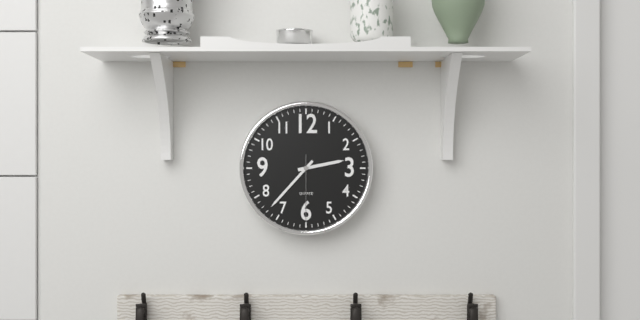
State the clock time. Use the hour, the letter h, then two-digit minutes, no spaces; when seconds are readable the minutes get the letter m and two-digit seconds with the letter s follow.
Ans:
2h37m30s
